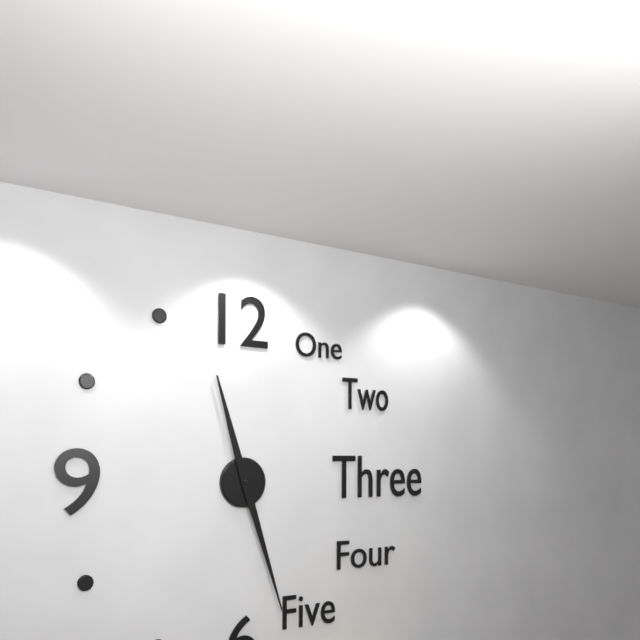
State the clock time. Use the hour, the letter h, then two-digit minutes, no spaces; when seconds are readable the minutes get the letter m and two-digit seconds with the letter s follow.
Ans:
11h27
